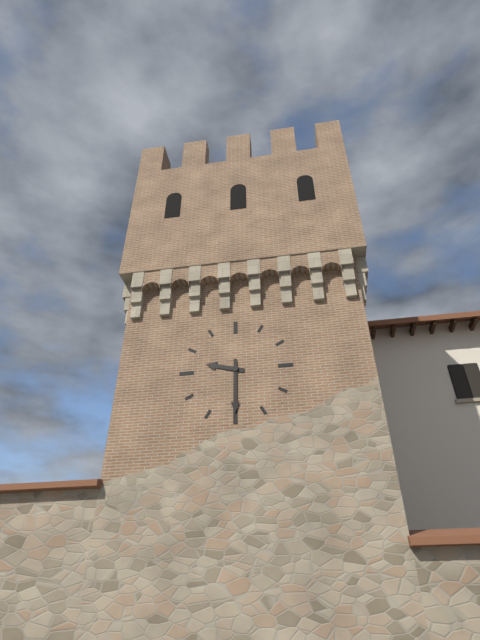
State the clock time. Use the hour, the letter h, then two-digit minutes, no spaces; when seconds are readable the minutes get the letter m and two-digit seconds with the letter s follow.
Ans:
9h30
